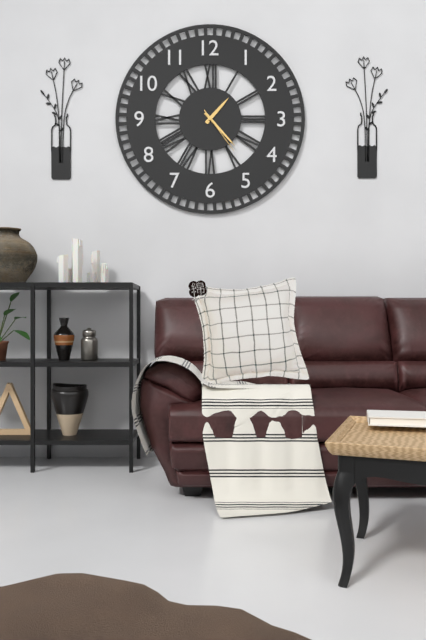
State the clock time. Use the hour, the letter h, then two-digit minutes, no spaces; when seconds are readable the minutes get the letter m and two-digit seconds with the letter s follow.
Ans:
1h23m24s
